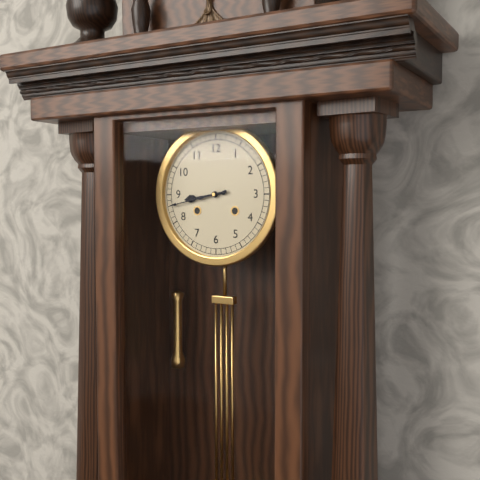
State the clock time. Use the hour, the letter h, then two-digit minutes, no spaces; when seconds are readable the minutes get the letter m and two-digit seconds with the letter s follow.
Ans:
8h43
